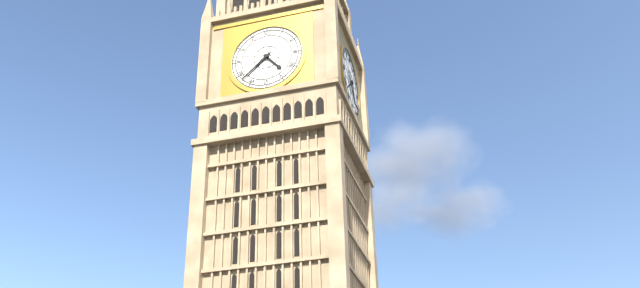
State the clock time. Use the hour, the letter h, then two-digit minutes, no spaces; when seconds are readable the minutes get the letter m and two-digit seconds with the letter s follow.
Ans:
4h38
